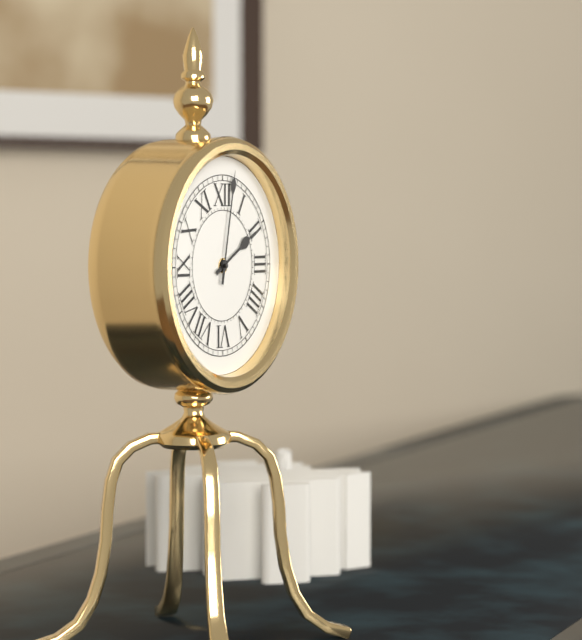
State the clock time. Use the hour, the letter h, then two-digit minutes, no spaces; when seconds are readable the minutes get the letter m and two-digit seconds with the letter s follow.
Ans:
2h02
